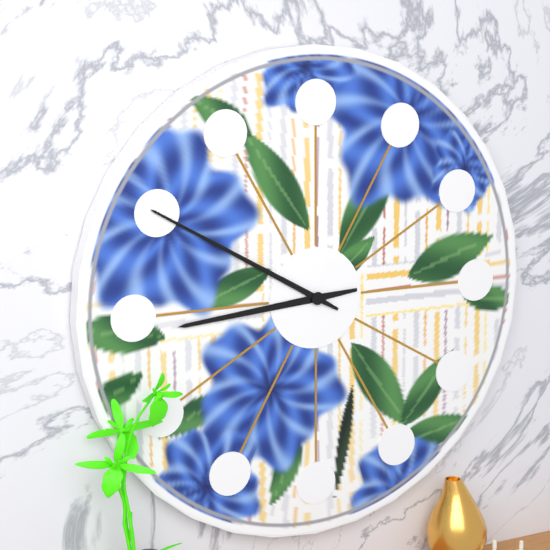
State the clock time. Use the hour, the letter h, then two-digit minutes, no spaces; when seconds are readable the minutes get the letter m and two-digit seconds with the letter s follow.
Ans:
8h50
